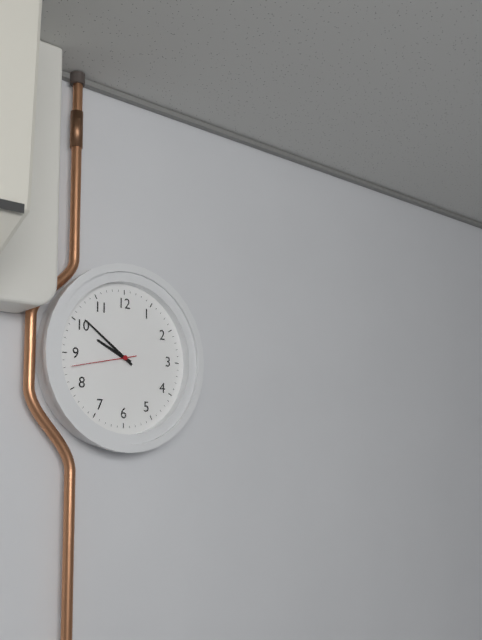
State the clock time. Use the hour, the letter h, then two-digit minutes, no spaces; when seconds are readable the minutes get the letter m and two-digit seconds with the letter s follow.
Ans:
9h51m43s
